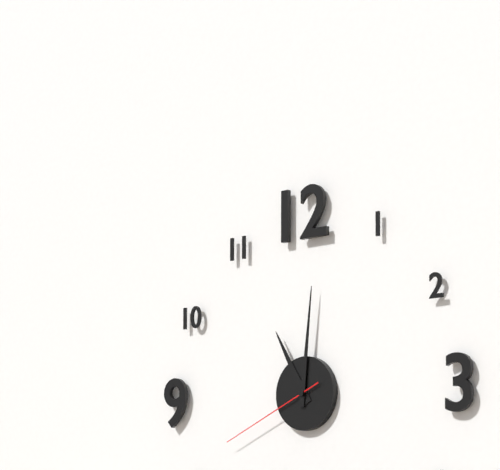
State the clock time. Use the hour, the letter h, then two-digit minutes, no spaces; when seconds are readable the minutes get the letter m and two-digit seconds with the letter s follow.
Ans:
11h01m41s
